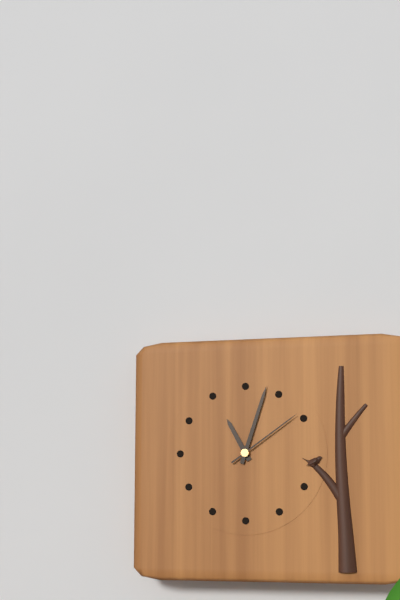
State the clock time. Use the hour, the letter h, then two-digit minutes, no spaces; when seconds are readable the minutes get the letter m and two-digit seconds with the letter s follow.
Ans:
11h03m09s
